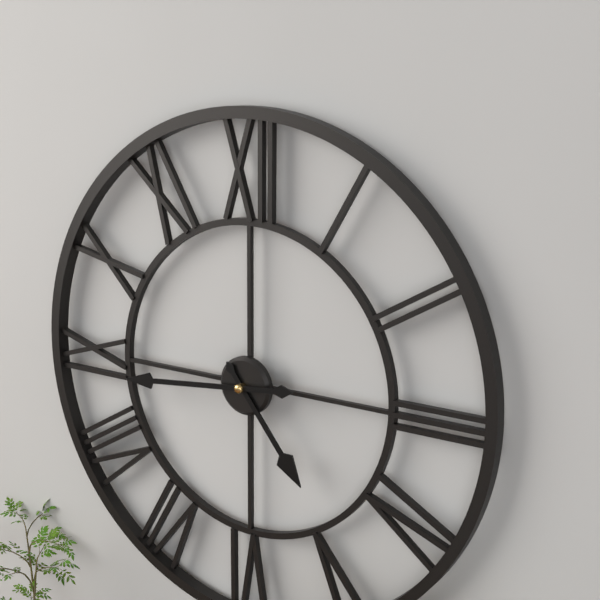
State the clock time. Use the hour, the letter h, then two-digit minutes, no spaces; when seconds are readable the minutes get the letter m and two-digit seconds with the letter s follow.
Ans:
4h44
